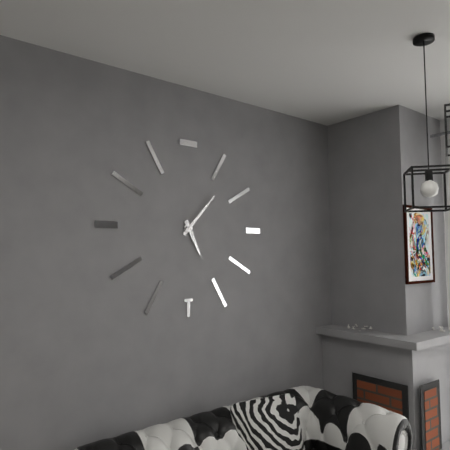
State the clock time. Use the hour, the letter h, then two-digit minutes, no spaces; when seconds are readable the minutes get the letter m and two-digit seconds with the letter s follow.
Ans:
5h07
